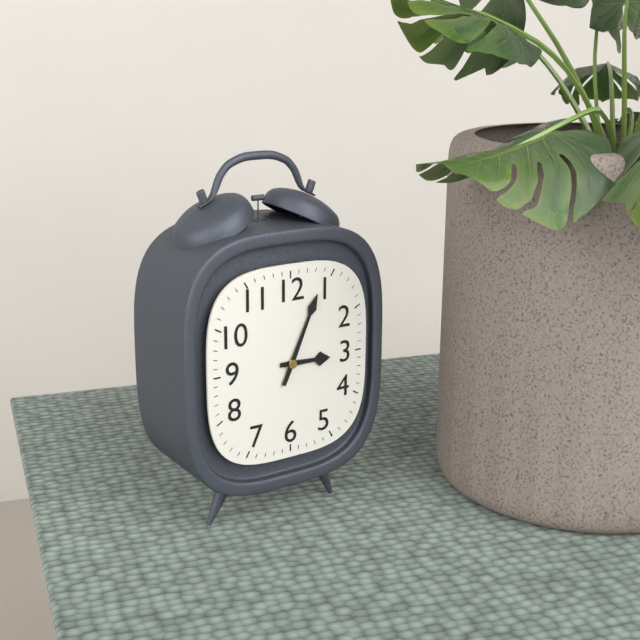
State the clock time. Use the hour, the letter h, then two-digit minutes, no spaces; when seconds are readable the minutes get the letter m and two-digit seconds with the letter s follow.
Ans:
3h04
